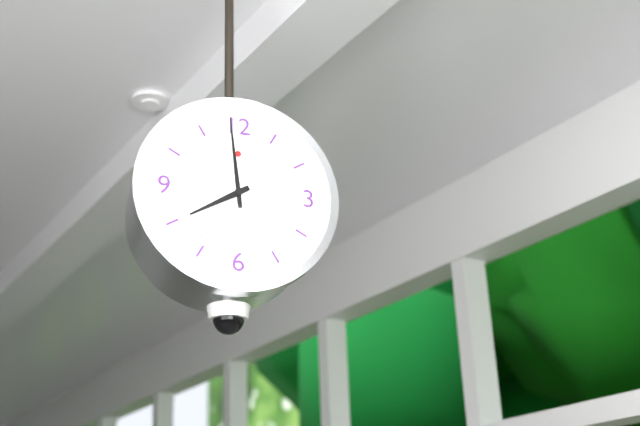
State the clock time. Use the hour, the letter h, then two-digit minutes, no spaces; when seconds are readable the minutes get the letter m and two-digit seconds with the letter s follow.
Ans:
7h59
